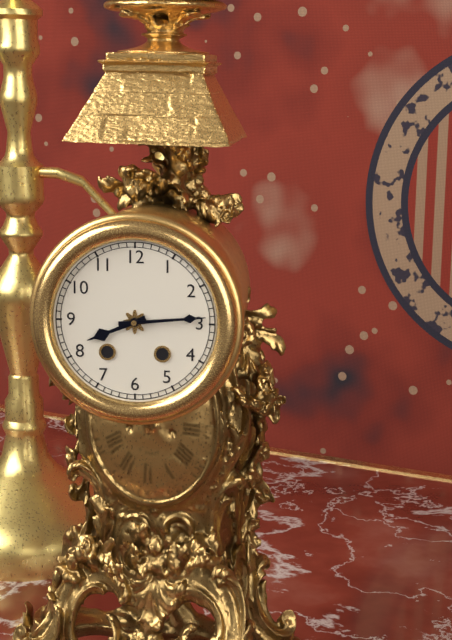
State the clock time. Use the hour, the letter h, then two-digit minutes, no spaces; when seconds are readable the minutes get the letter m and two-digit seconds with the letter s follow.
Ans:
8h14
